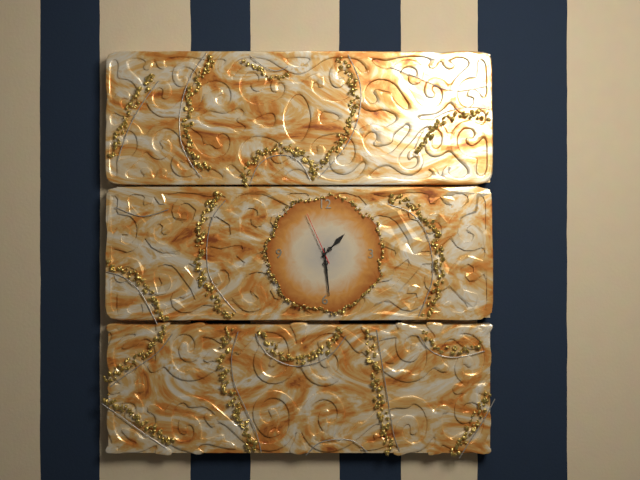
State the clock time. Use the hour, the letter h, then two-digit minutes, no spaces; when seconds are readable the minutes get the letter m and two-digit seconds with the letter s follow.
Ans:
1h29m56s
